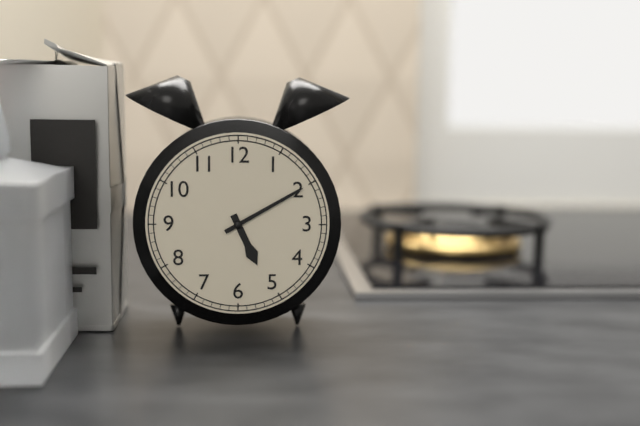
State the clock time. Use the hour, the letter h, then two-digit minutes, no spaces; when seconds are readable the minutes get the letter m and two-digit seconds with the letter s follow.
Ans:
5h10
